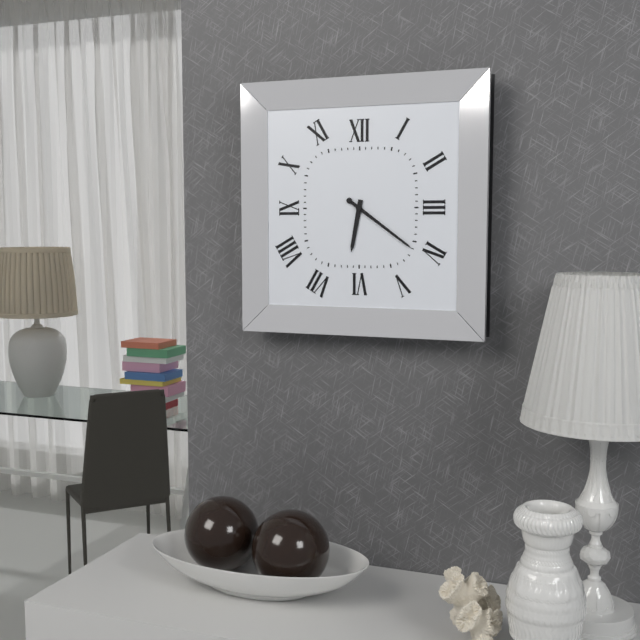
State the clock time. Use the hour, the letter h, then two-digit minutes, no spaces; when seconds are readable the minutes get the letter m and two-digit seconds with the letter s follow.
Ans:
6h21
